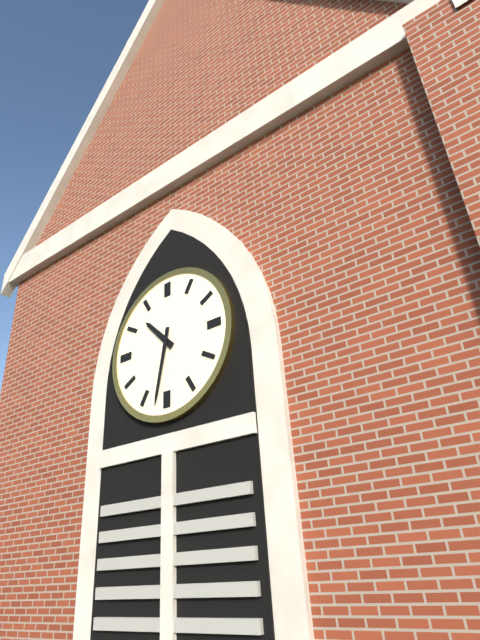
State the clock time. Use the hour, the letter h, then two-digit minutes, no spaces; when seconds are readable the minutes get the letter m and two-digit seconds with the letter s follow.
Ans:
10h32
